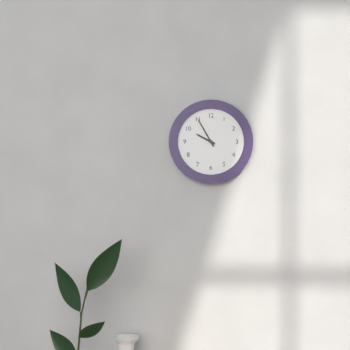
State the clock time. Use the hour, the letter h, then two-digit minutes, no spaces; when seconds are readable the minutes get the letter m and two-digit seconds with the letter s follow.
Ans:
9h55
